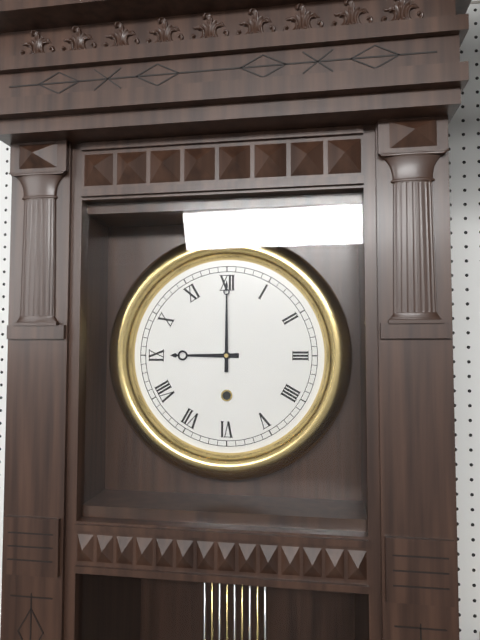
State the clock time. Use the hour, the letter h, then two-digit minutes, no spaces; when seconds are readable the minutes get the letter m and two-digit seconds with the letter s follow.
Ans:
9h00
